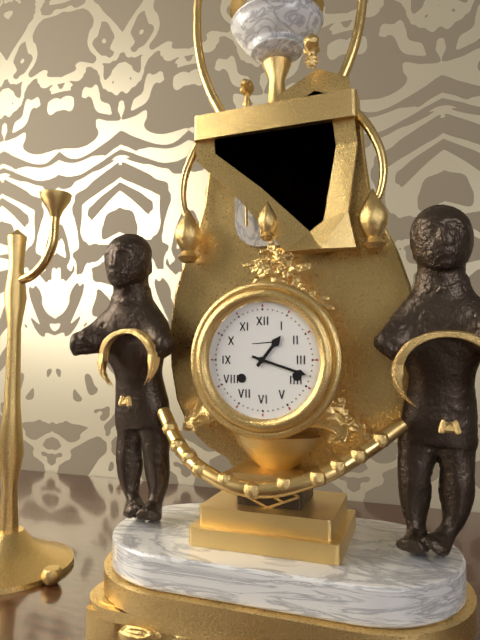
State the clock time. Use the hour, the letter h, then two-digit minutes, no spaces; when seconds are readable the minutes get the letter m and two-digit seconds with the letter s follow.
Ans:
1h18
